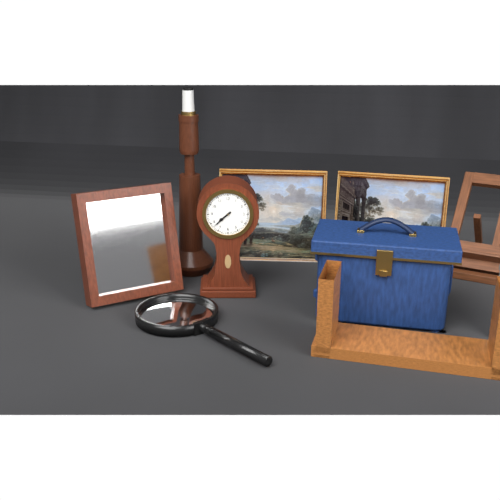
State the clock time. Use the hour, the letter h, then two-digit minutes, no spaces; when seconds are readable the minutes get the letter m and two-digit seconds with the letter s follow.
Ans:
7h38
